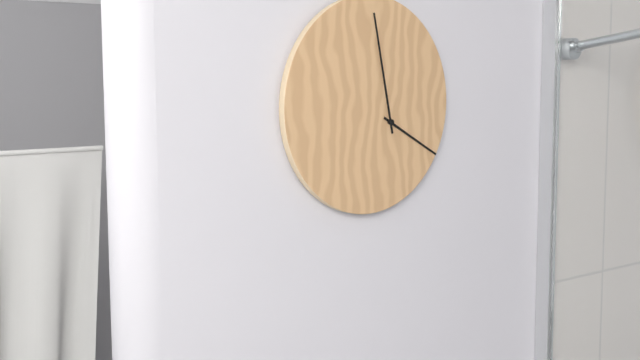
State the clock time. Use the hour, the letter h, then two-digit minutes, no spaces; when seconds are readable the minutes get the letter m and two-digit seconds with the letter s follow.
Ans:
3h58
